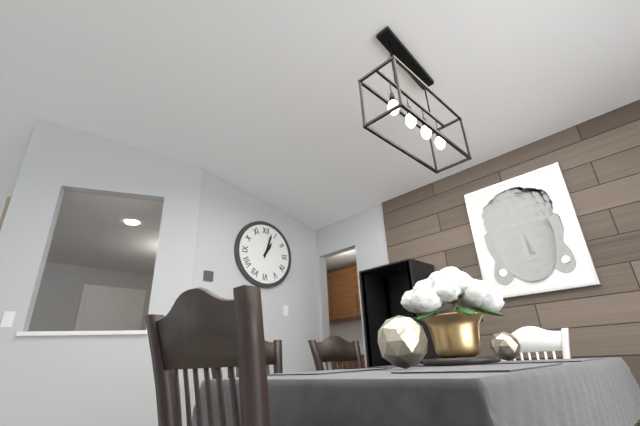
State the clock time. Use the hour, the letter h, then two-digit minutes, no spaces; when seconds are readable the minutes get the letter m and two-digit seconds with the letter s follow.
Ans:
1h03
